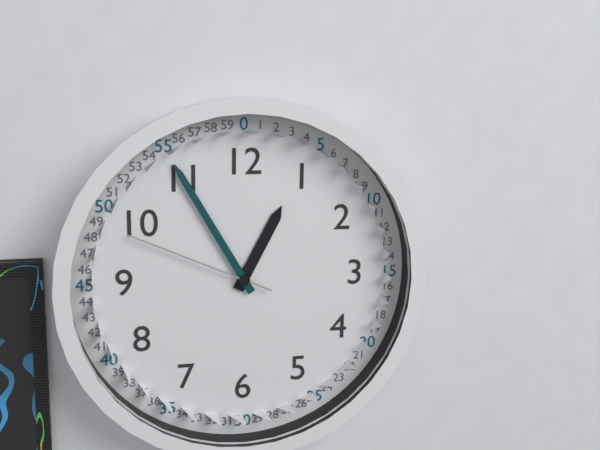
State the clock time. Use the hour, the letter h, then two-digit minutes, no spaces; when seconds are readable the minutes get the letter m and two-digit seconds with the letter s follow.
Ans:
12h55m49s
